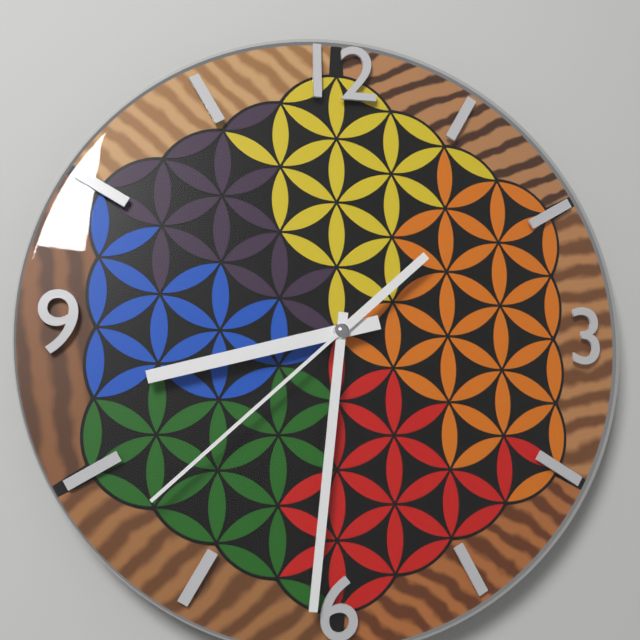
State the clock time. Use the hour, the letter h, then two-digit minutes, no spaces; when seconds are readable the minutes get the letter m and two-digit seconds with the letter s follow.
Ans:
8h31m38s
